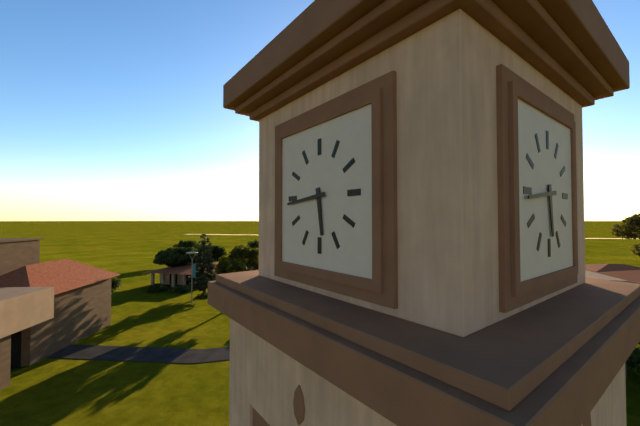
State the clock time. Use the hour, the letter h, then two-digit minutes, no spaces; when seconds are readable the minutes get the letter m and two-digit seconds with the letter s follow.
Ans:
5h44
